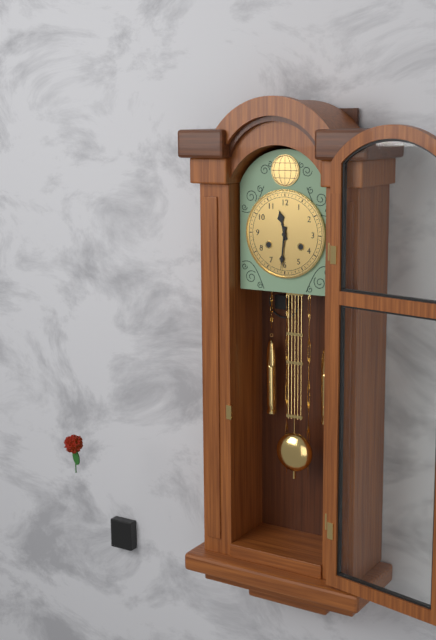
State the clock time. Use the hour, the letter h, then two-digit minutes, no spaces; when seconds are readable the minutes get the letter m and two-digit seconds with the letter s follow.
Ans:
11h31
